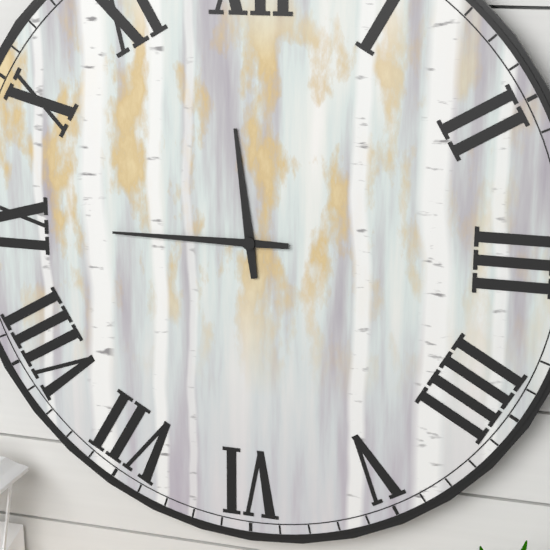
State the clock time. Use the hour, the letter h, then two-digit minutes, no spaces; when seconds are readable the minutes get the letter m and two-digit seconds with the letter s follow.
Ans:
11h45
